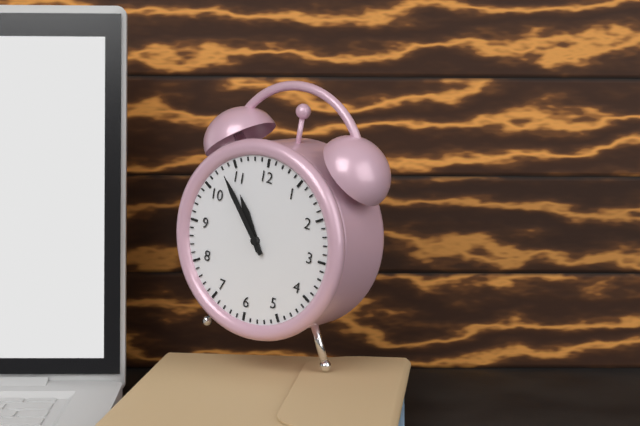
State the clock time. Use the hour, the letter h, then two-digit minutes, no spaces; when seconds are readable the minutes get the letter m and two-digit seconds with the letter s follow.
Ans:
10h53
